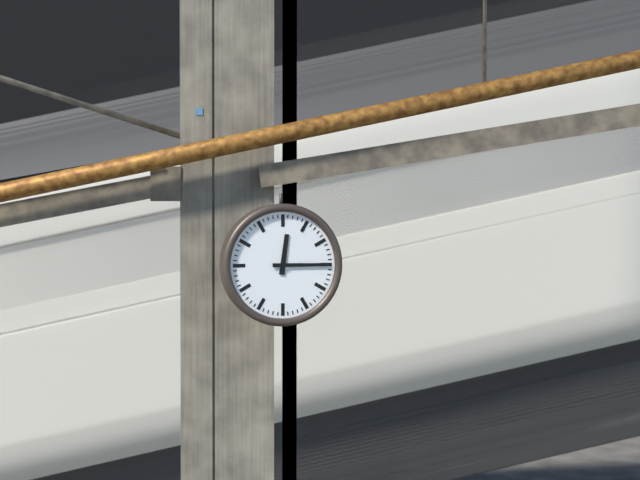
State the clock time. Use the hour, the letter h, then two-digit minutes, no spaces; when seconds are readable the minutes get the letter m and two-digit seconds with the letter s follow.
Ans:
12h15
